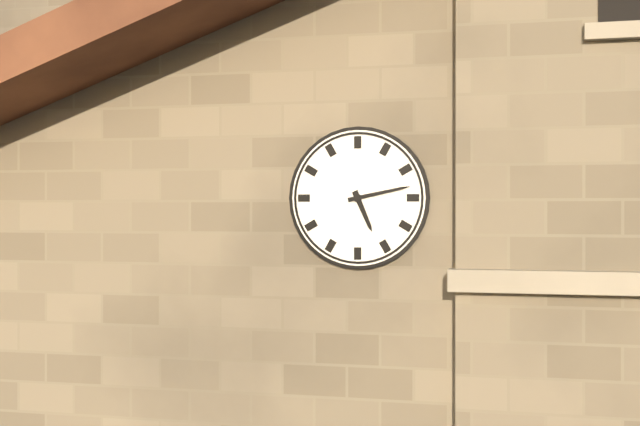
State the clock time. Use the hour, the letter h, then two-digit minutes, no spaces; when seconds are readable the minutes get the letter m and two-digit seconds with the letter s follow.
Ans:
5h13
